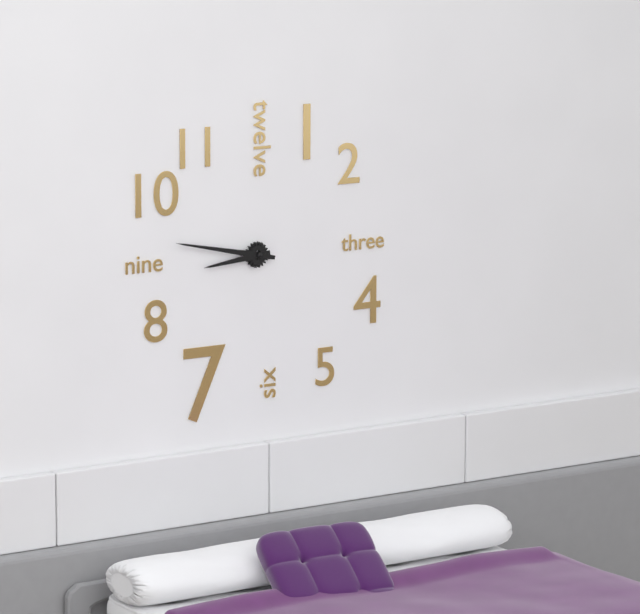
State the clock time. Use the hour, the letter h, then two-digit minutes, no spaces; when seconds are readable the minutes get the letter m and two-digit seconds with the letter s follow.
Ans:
8h47
